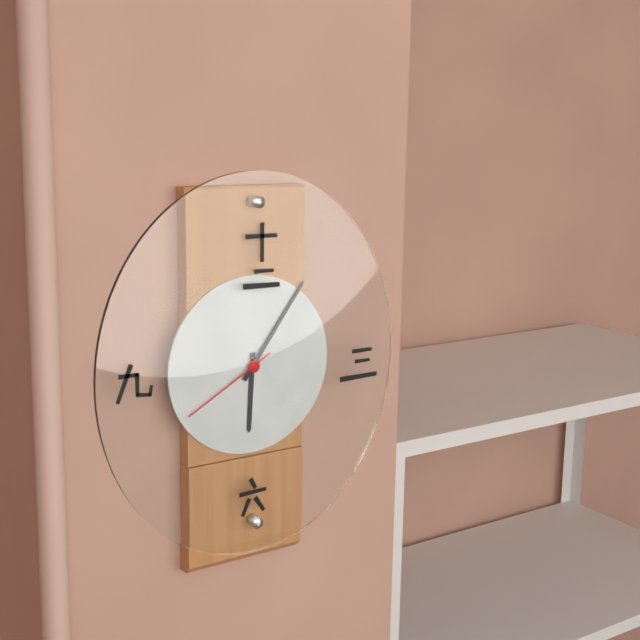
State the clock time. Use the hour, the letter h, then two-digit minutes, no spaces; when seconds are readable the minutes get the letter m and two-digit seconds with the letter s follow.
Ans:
6h06m40s
